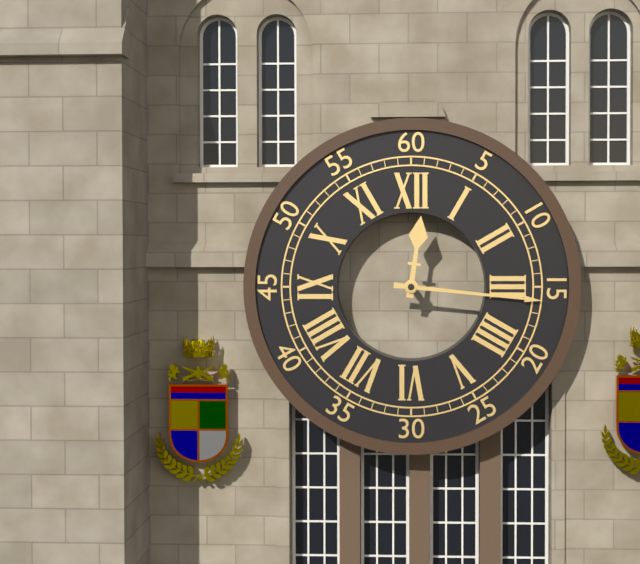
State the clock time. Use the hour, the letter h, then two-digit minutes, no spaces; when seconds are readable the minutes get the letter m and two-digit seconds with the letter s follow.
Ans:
12h16
